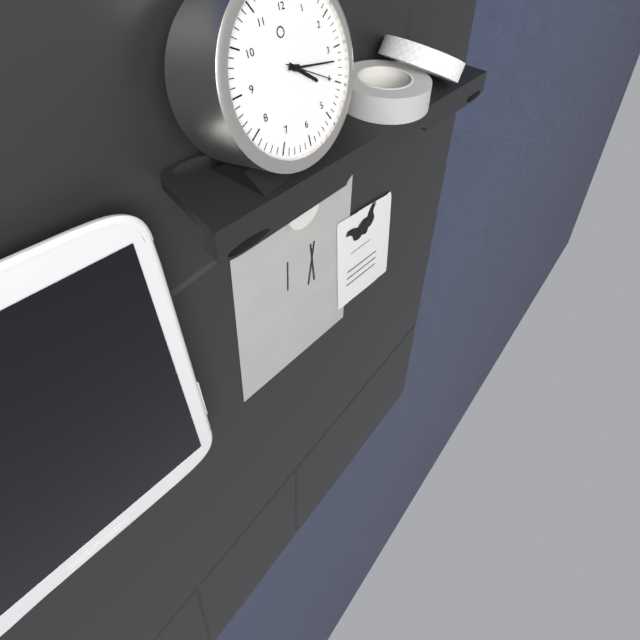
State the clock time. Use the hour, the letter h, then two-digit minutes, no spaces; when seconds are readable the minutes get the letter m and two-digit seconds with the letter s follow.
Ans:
4h17m20s
